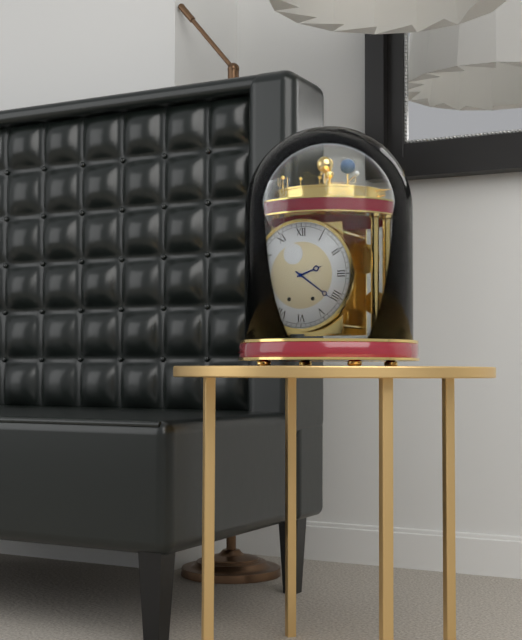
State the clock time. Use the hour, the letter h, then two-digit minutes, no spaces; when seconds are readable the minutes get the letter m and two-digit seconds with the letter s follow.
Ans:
2h21
